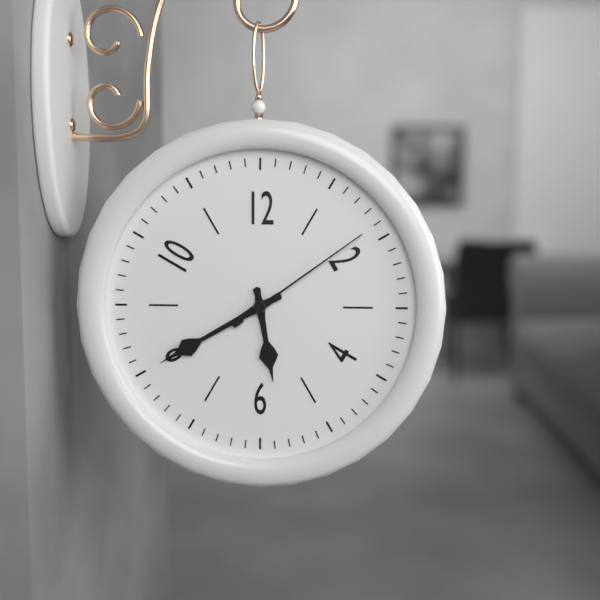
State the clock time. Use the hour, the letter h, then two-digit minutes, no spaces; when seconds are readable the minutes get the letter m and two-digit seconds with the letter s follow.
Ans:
5h40m09s
